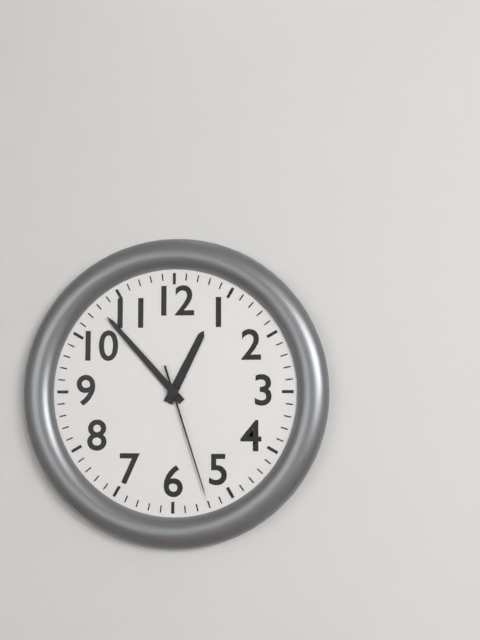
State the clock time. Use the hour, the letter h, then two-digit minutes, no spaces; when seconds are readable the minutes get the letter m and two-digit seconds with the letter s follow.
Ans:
12h53m27s
